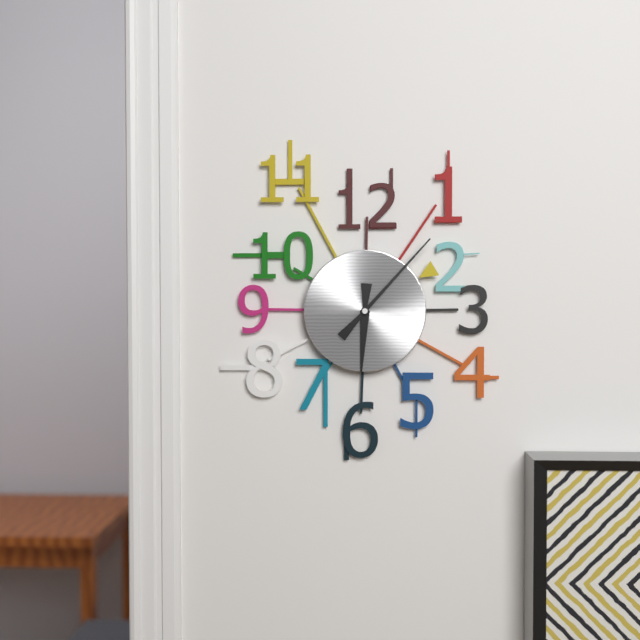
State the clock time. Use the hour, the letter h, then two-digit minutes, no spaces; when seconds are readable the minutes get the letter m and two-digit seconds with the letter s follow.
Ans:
6h07
